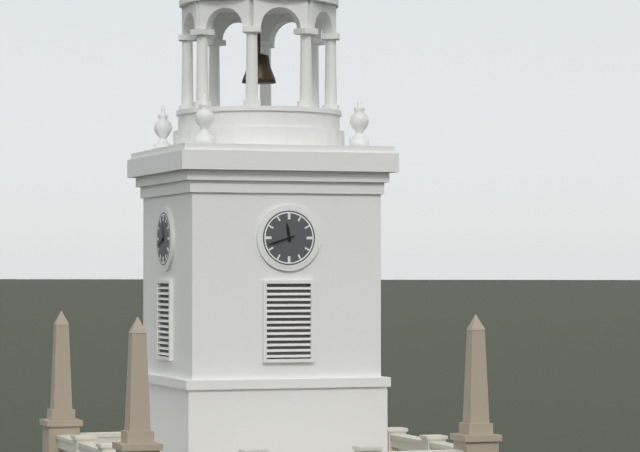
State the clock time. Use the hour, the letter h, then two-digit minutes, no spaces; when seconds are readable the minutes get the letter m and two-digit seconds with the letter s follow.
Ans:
11h42
